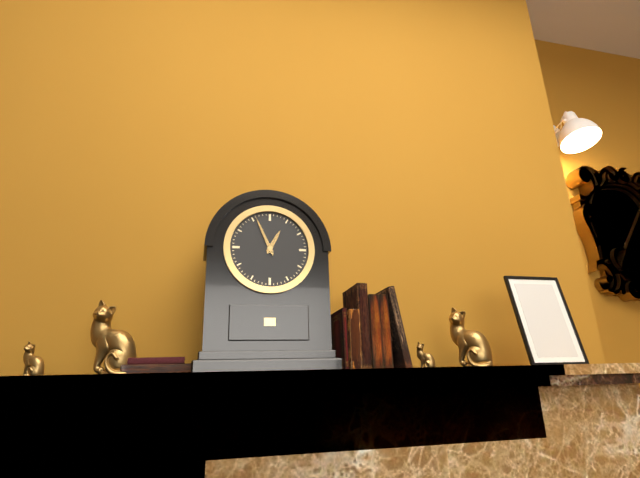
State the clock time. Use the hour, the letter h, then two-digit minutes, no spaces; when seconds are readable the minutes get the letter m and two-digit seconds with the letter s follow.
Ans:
12h56
